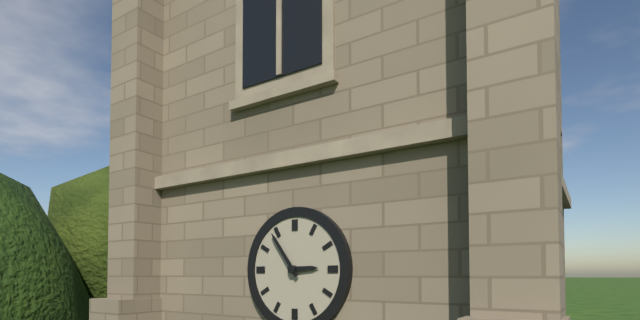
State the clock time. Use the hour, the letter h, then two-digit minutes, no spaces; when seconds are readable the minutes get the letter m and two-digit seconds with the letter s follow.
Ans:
2h54
